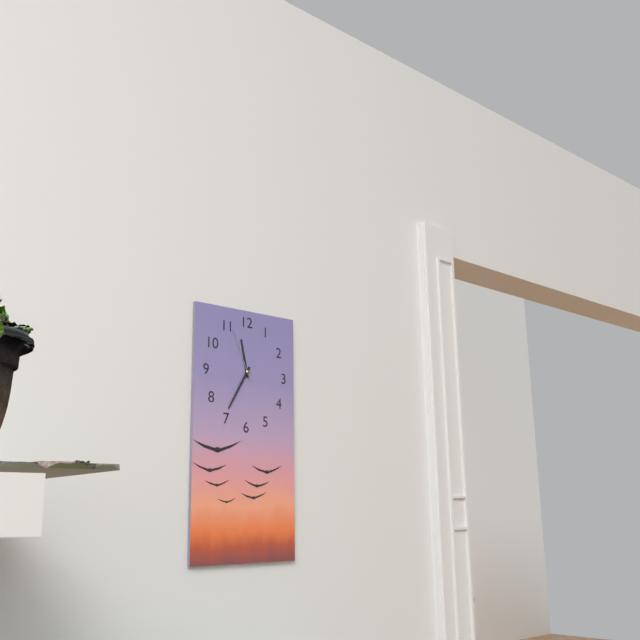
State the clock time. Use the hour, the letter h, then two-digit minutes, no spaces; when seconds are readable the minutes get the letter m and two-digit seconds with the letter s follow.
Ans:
11h35m56s
